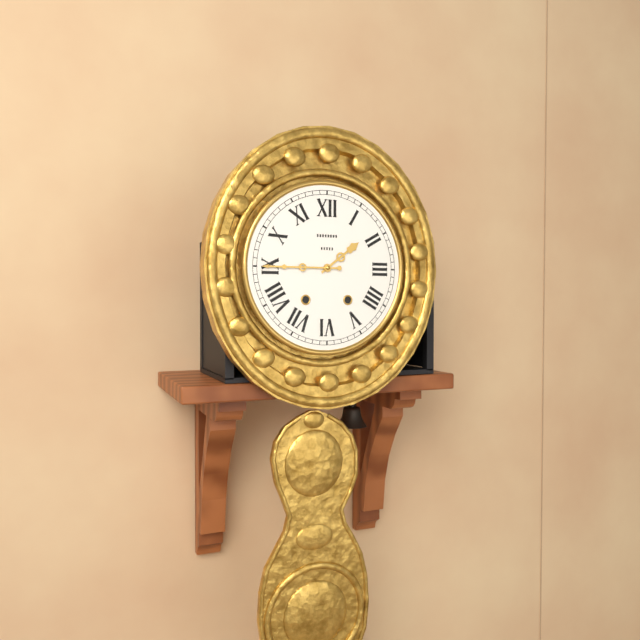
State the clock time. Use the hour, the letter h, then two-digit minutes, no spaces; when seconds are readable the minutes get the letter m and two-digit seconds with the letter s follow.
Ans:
1h45
